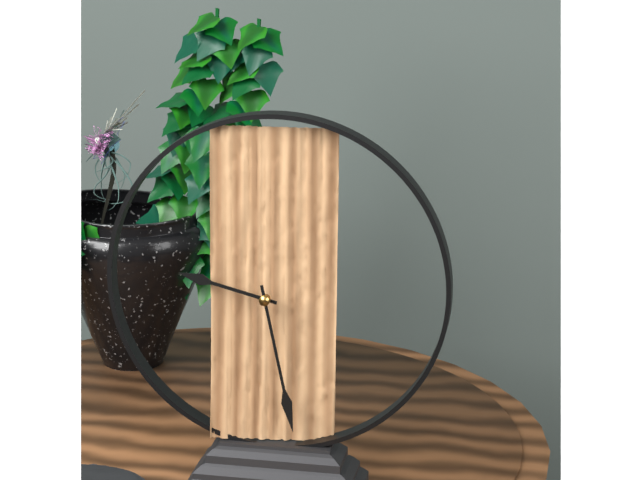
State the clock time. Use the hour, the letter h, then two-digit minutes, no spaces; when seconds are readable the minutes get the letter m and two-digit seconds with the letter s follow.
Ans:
9h28
